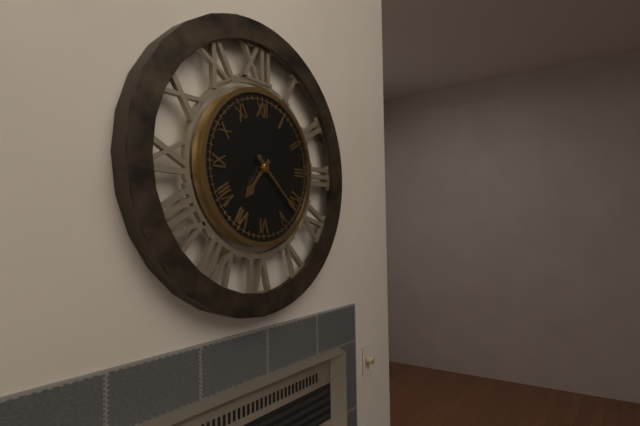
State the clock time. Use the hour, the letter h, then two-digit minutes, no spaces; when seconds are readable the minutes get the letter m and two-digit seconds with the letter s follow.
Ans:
7h22
